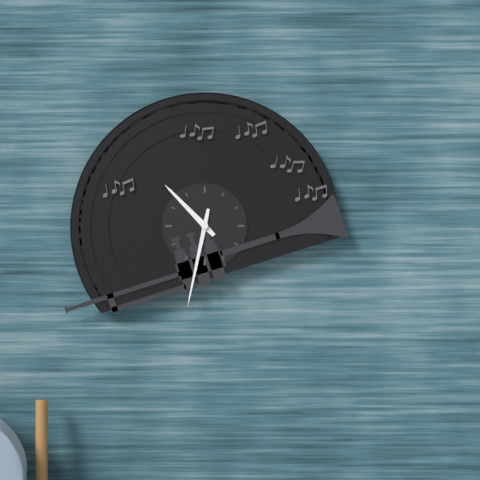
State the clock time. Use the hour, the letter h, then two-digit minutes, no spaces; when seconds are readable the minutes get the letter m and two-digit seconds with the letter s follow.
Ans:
10h32
